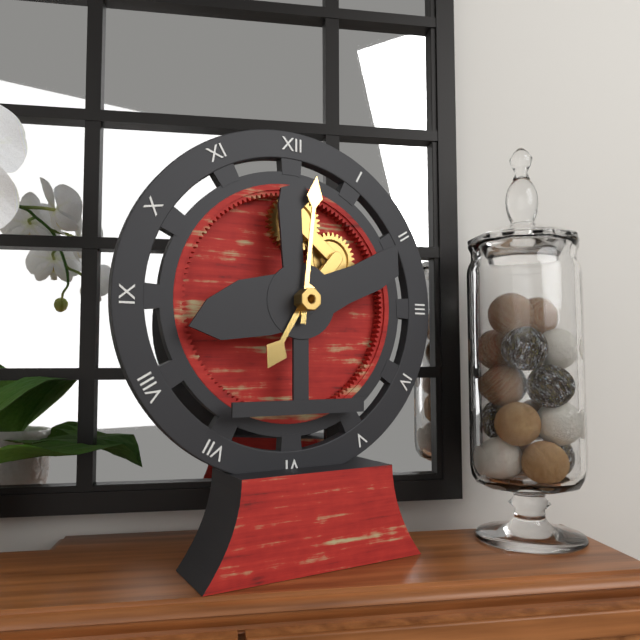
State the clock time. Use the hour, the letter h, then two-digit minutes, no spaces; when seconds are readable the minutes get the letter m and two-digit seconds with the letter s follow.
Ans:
7h01
